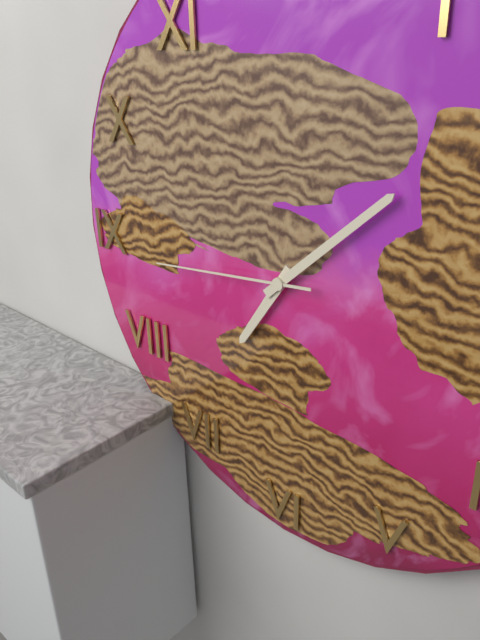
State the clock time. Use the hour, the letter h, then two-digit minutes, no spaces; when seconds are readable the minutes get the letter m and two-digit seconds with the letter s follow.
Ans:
7h08m44s
